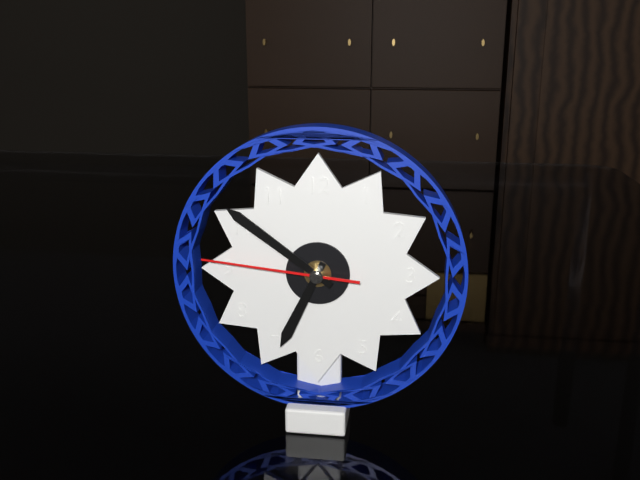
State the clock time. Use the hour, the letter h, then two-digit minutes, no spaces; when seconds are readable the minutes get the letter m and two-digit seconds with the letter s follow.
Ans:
6h51m46s
